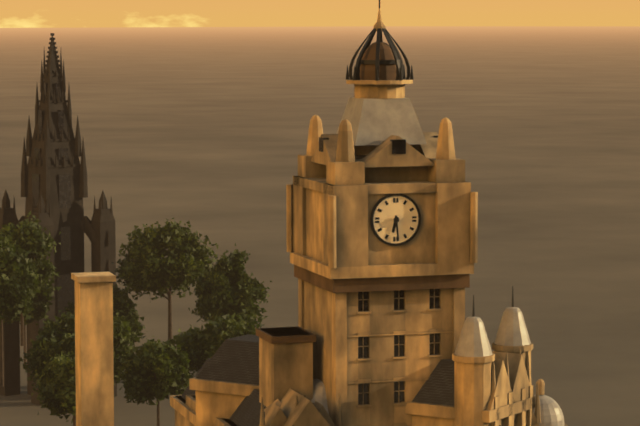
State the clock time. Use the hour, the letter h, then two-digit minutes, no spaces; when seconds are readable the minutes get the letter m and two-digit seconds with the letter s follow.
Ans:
6h29
